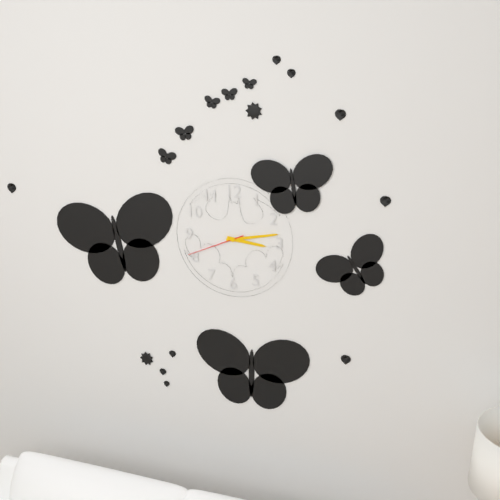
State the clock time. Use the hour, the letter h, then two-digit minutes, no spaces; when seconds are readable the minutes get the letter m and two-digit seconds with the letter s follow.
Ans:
3h13m41s
